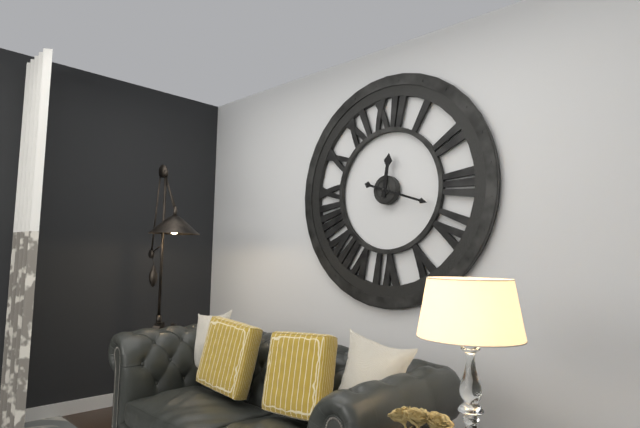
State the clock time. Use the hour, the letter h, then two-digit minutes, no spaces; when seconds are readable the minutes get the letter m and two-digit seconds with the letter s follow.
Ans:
12h18
